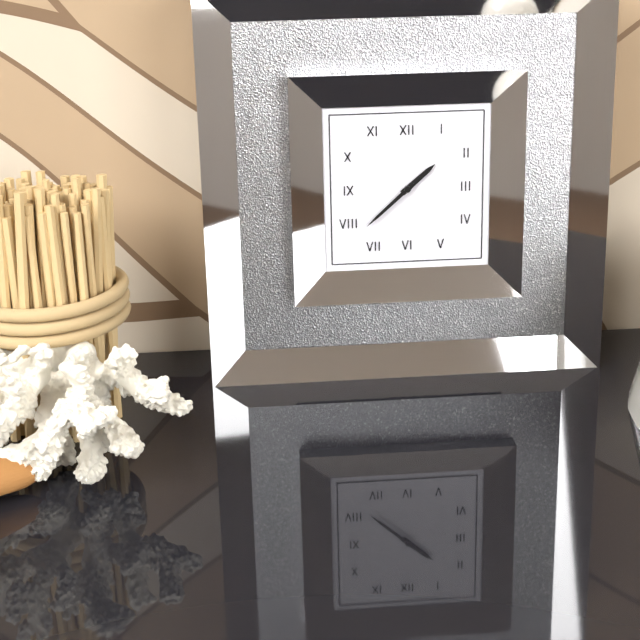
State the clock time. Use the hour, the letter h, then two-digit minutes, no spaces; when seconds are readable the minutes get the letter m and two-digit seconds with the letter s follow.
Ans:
1h38
